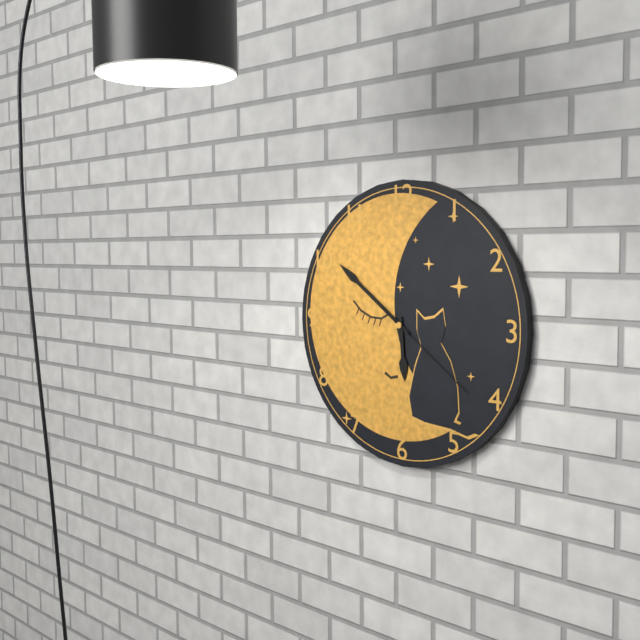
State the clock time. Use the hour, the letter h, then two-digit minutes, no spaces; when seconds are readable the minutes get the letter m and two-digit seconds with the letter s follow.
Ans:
5h51m21s
